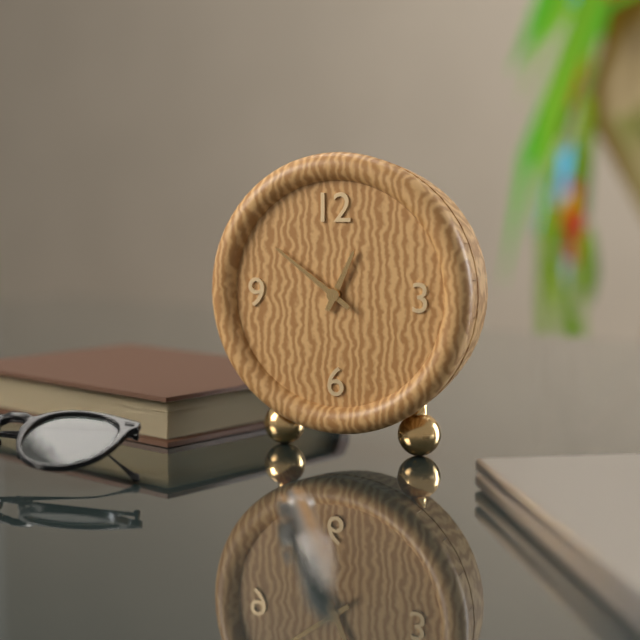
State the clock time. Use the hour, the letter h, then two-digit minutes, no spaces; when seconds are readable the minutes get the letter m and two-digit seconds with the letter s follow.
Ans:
12h51
